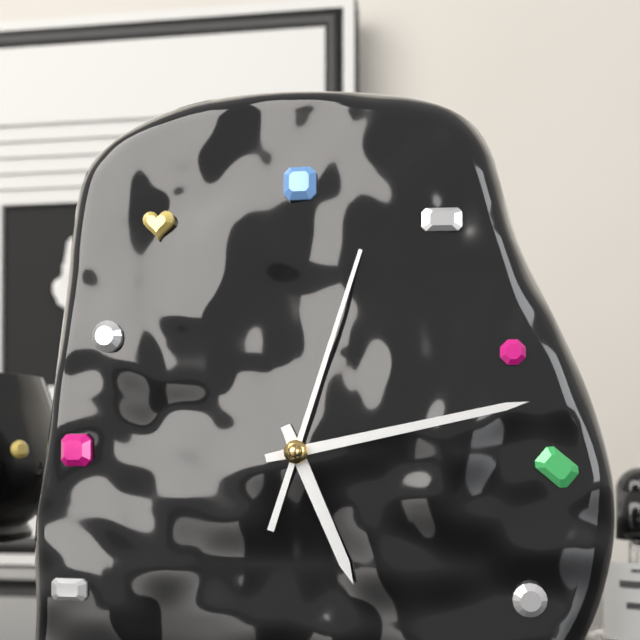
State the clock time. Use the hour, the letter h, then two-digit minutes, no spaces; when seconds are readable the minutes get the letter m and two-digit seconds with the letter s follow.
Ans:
5h13m03s
